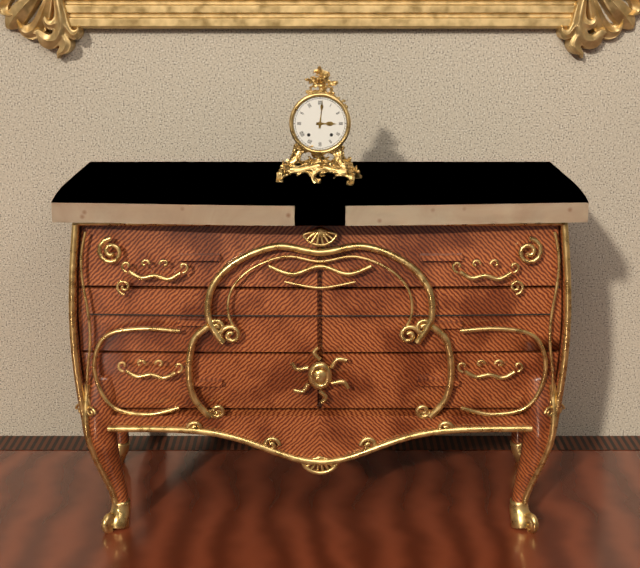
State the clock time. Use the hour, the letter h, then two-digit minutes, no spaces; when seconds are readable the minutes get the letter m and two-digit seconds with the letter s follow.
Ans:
3h01
